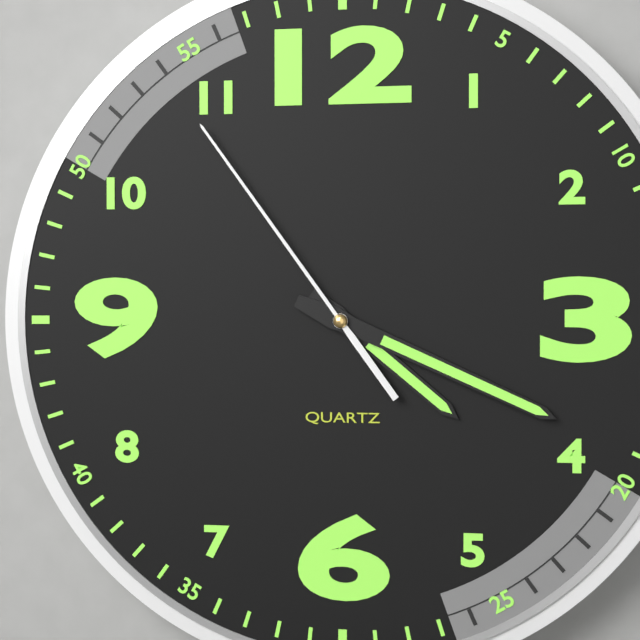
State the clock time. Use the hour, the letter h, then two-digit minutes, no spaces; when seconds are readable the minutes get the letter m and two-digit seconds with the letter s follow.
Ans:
4h19m54s
